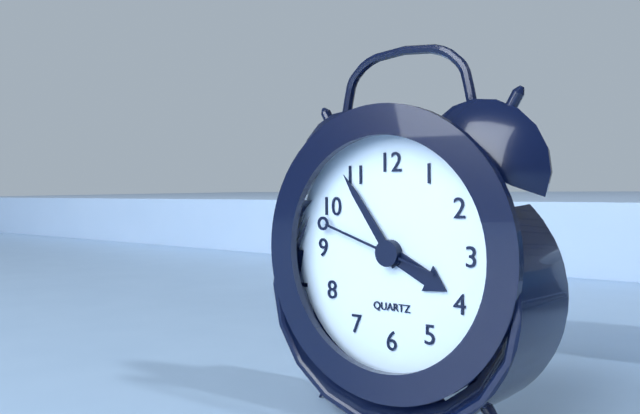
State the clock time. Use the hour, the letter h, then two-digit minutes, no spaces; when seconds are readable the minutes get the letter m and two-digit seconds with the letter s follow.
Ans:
3h54m48s
